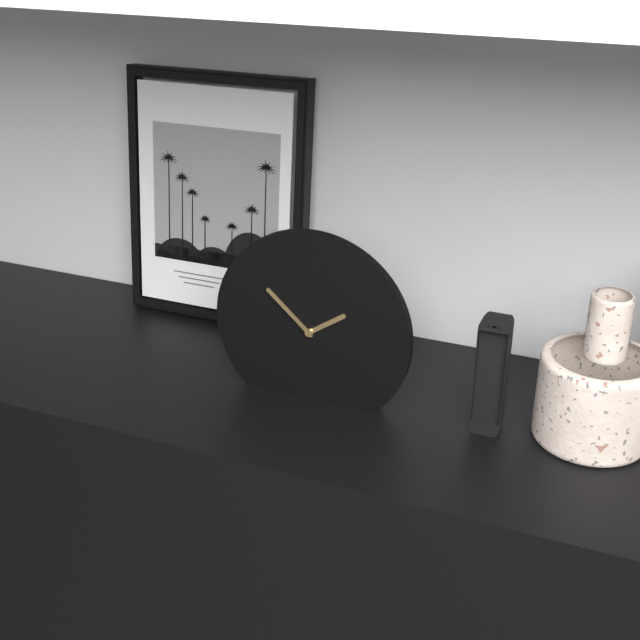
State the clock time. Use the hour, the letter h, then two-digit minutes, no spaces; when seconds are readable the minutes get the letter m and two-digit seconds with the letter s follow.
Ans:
1h52
